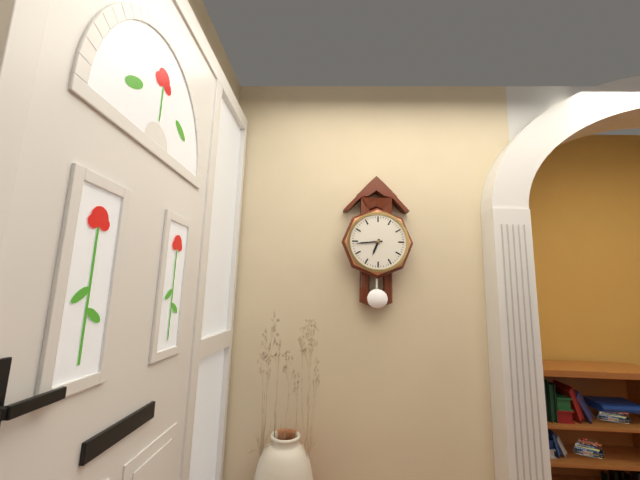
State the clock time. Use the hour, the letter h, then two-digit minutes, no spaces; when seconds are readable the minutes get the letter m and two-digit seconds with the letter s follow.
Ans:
6h44
